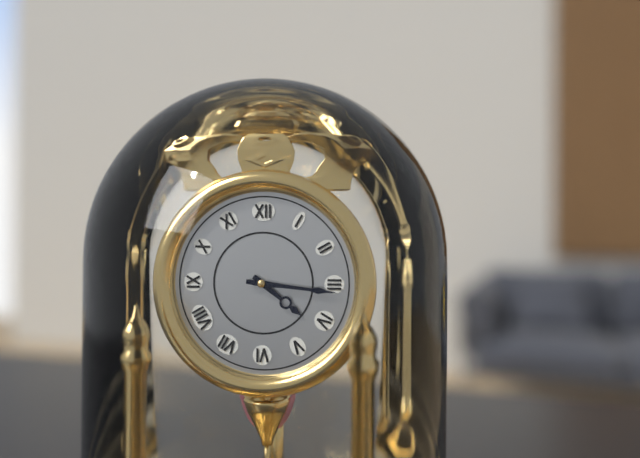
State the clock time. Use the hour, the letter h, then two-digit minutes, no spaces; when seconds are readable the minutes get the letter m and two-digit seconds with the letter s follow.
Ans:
4h16
